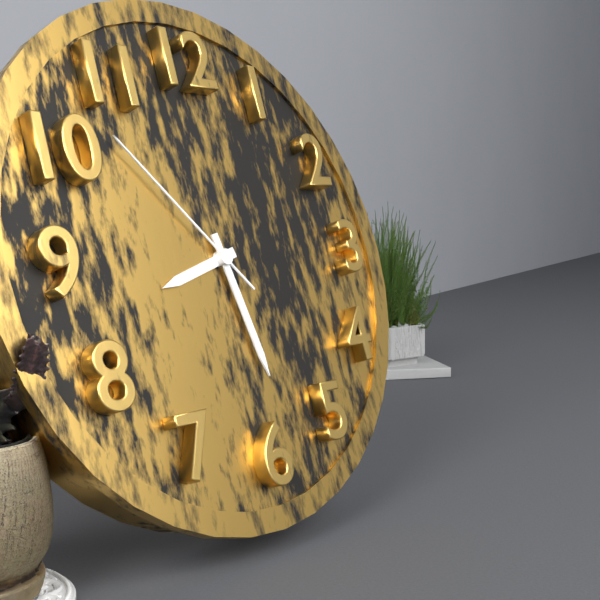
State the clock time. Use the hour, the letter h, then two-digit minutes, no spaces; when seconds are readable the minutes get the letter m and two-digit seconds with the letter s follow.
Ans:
8h28m53s
